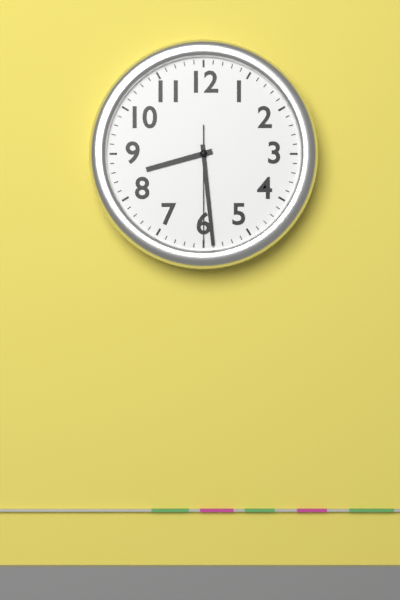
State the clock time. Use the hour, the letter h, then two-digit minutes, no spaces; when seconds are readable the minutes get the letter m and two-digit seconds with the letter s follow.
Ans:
8h29m30s
